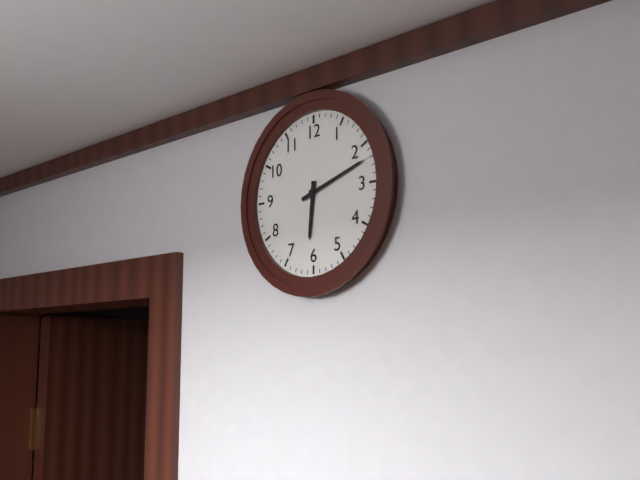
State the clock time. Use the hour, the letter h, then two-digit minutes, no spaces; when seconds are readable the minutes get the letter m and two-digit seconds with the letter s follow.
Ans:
6h12
